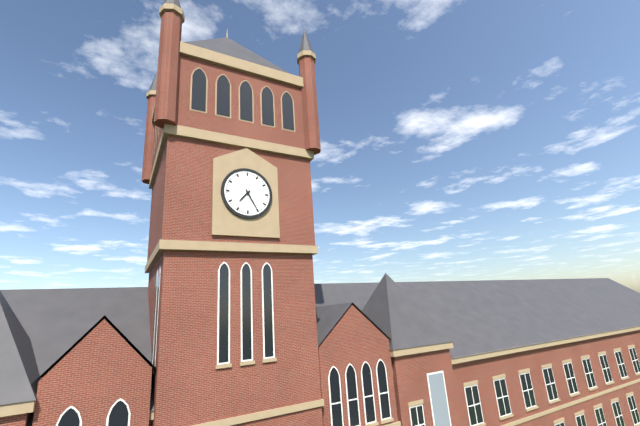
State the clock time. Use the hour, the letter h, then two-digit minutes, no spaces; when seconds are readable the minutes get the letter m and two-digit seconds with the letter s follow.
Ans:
7h25
